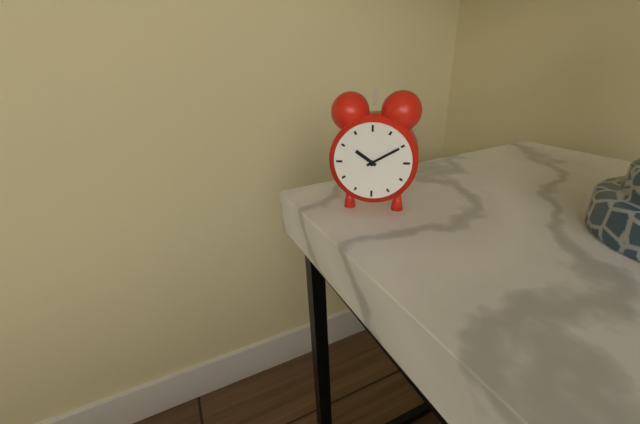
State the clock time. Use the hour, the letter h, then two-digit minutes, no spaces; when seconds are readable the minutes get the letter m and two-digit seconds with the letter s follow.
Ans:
10h10
